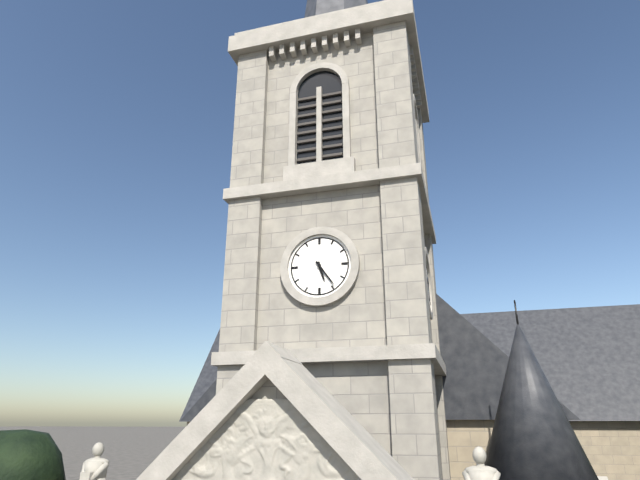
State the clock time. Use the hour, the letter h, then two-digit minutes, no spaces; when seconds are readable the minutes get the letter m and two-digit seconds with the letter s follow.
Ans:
5h24
